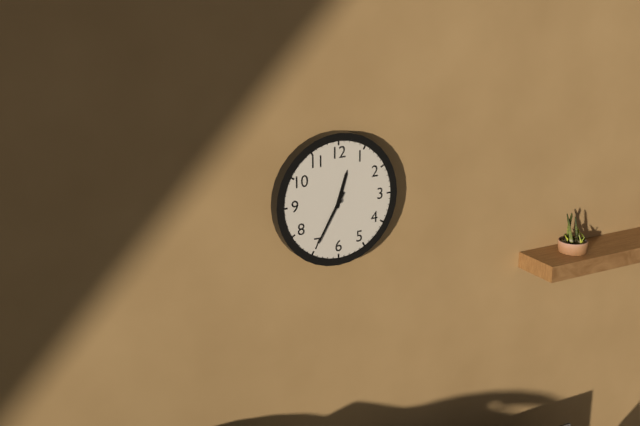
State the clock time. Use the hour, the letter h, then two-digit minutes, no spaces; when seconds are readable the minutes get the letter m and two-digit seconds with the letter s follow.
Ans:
12h35
